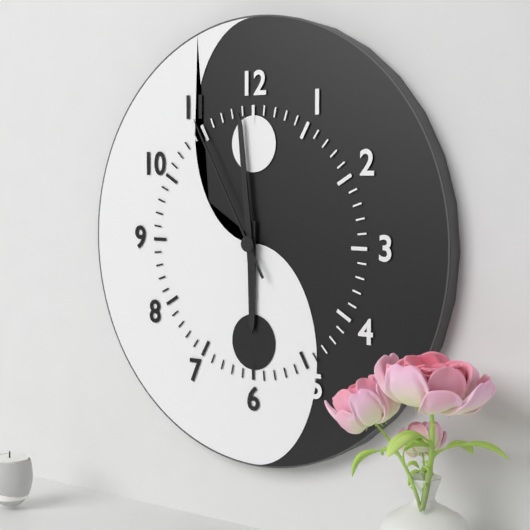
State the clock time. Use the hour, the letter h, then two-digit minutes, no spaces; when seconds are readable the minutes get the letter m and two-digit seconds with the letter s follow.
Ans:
5h59m55s
